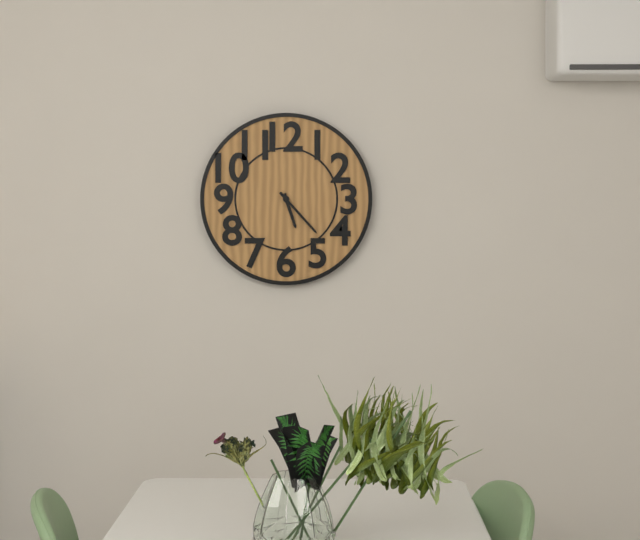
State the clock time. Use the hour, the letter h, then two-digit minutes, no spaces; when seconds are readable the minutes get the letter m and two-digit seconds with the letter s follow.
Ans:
5h23
